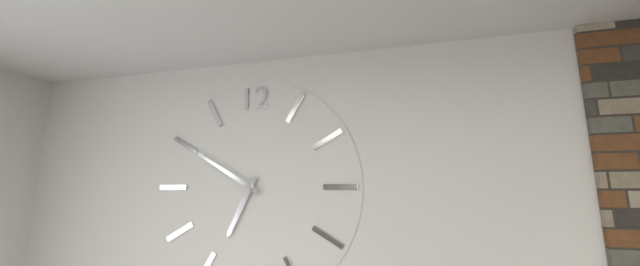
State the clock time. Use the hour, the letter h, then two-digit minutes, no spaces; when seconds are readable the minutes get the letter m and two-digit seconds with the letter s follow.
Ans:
6h50
